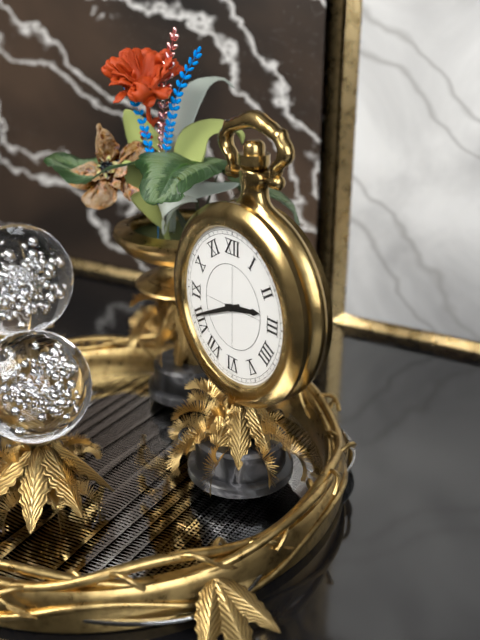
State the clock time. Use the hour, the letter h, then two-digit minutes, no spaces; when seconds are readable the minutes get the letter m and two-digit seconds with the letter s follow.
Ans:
2h41
